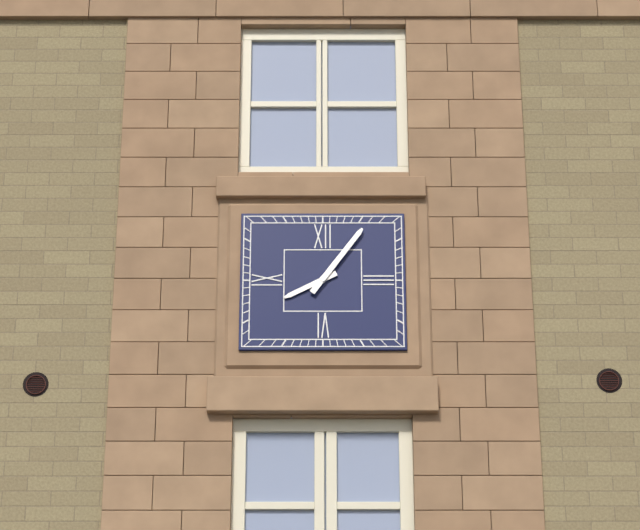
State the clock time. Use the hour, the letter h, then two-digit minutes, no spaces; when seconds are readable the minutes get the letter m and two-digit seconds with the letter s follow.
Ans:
8h06
